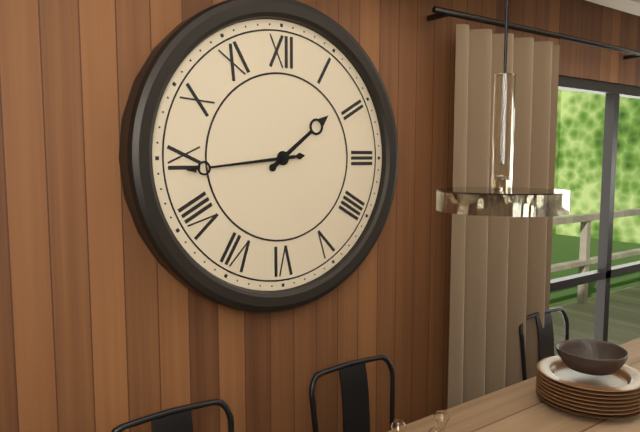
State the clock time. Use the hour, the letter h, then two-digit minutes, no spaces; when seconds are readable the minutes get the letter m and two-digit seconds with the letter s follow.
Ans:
1h44
